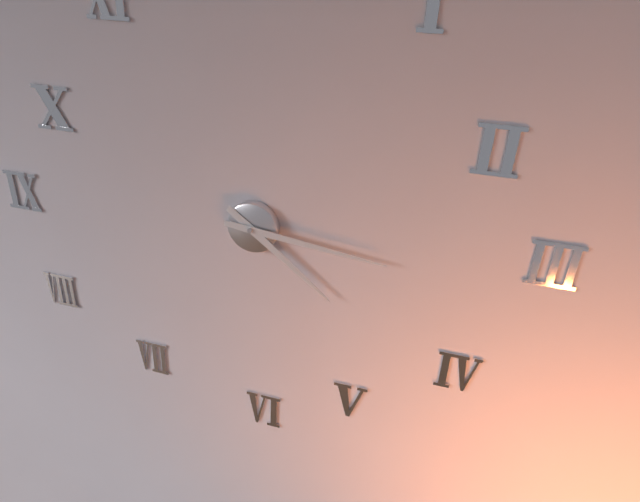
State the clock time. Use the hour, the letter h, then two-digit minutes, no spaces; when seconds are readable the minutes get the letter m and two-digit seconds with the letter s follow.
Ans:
4h16
